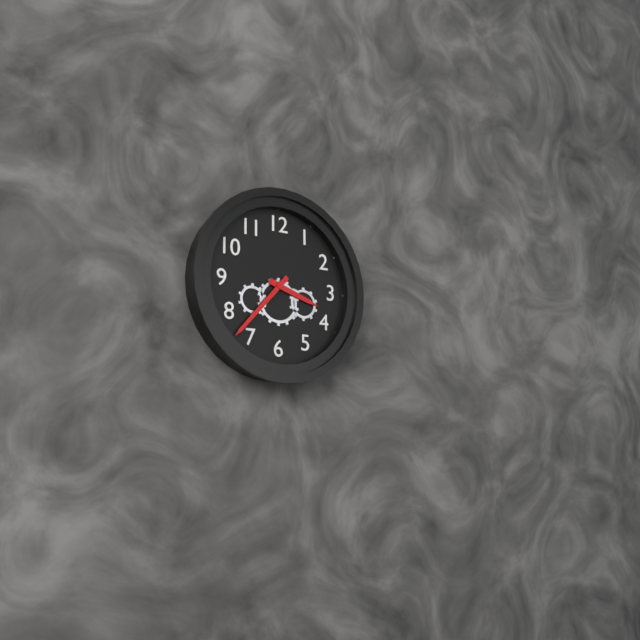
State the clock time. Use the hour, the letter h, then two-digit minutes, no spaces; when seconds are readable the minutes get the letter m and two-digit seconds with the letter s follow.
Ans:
3h37
